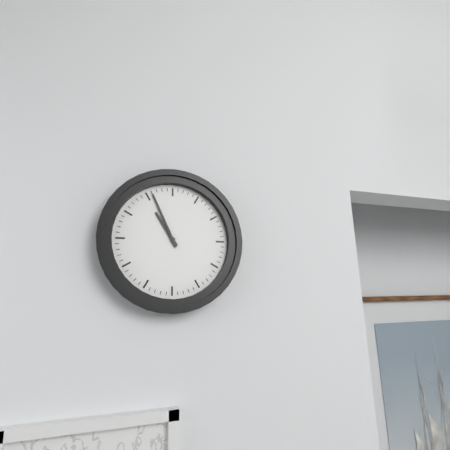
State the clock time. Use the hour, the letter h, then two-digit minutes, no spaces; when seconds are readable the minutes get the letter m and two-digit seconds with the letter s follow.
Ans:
10h56
